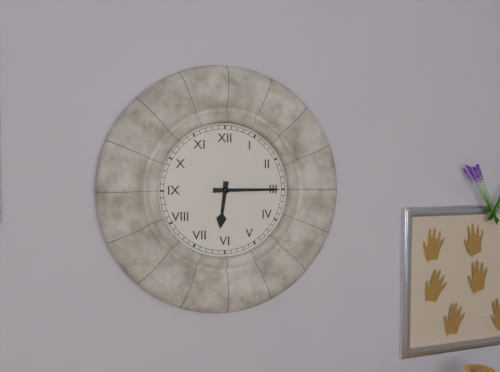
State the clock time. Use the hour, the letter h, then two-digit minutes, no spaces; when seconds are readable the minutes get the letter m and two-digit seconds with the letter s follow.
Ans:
6h15
